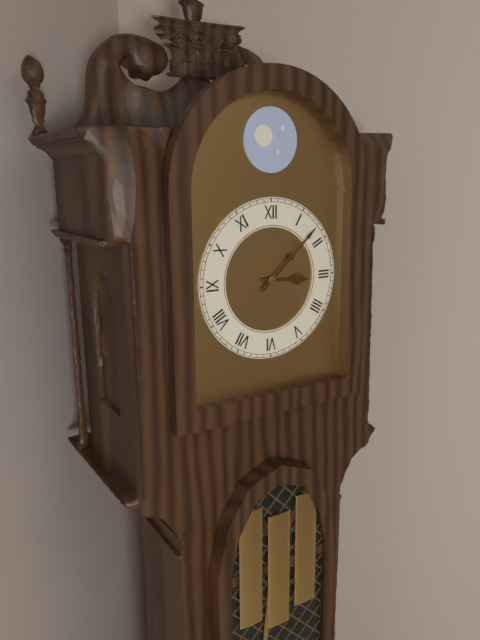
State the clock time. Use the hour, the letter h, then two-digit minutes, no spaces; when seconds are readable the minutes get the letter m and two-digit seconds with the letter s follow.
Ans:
3h08
